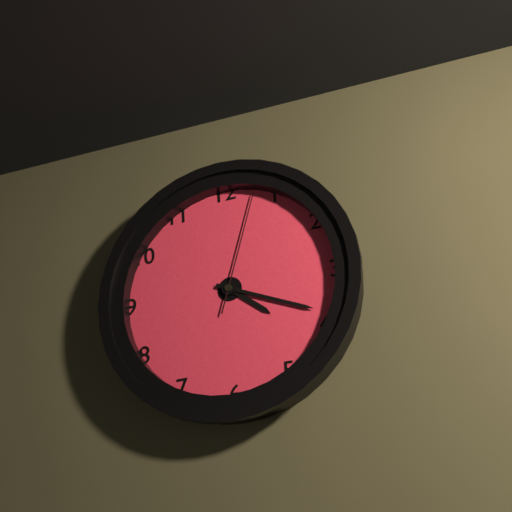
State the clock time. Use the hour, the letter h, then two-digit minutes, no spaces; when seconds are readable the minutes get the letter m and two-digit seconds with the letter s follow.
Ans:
4h19m03s
